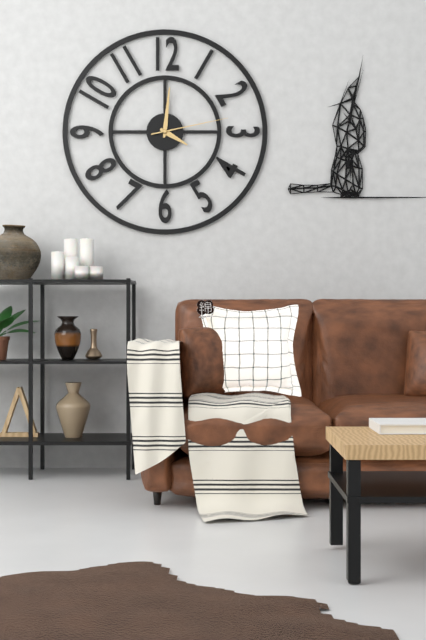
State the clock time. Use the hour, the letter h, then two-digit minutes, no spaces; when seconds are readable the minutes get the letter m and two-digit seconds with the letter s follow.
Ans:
4h01m13s
